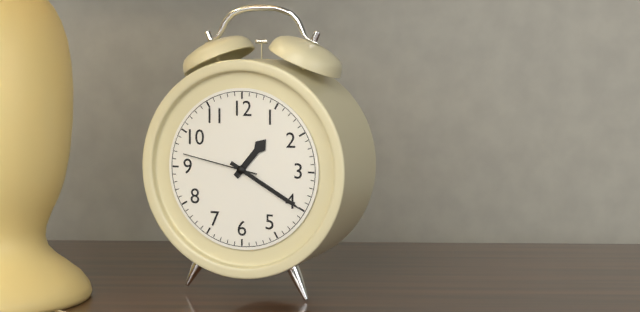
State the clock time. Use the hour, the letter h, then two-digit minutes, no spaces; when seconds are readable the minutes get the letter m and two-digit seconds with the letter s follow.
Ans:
1h20m47s
